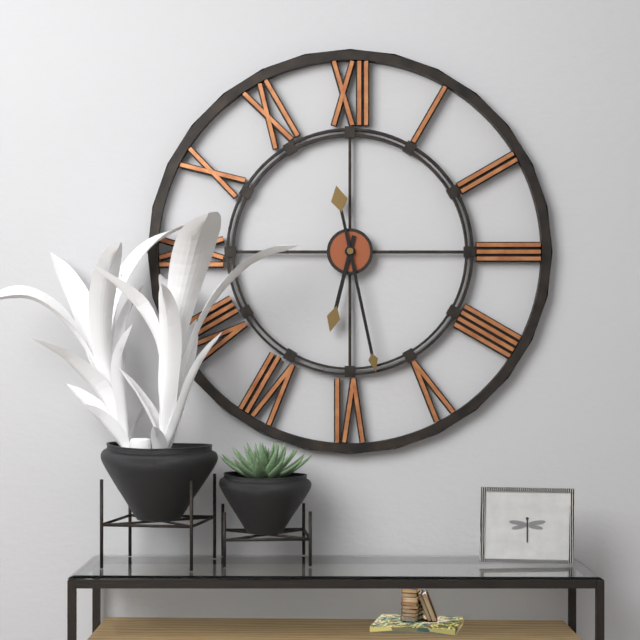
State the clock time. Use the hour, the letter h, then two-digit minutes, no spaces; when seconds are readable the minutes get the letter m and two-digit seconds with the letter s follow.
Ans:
6h28
